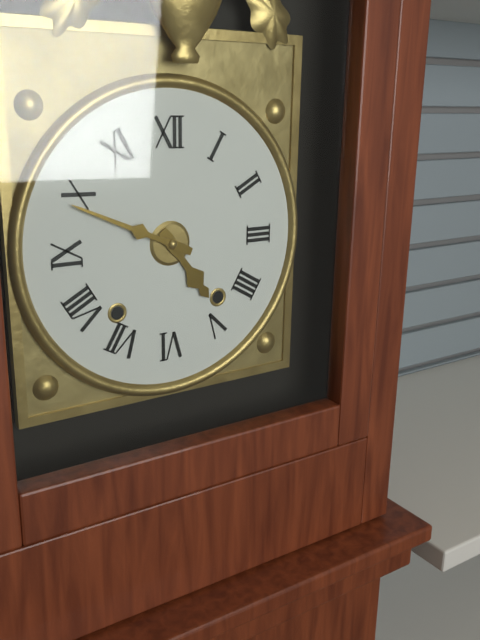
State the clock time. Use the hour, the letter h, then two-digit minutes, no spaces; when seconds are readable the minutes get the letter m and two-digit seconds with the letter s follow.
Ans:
4h49
